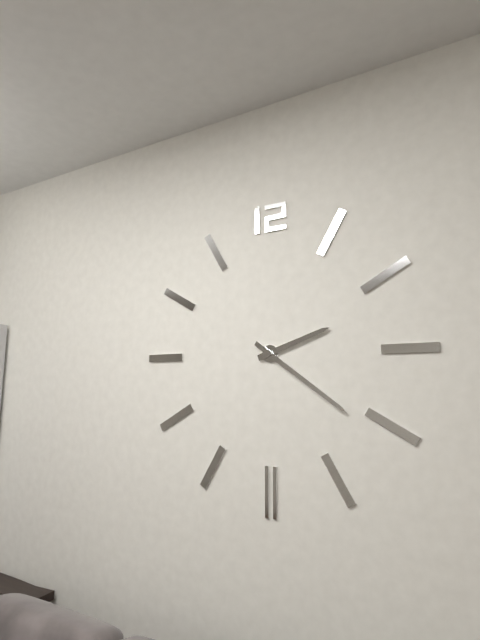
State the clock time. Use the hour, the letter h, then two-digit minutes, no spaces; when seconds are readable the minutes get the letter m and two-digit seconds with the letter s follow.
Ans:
2h21
